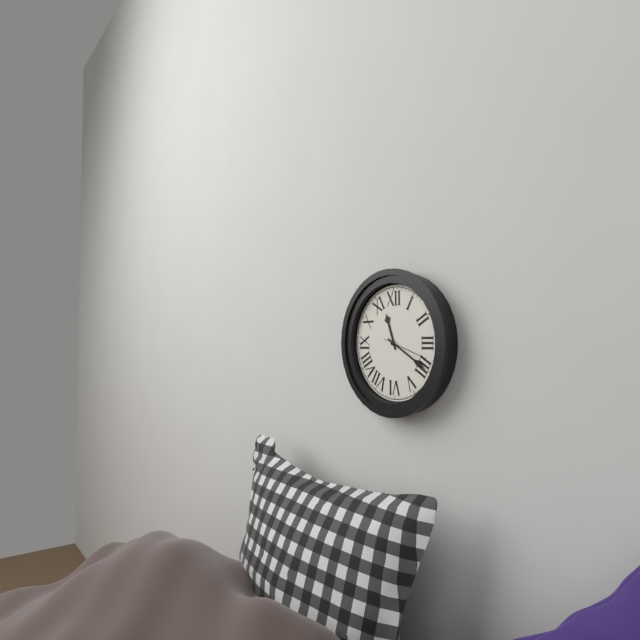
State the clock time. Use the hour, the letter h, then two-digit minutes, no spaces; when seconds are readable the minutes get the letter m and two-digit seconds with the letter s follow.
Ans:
11h20
